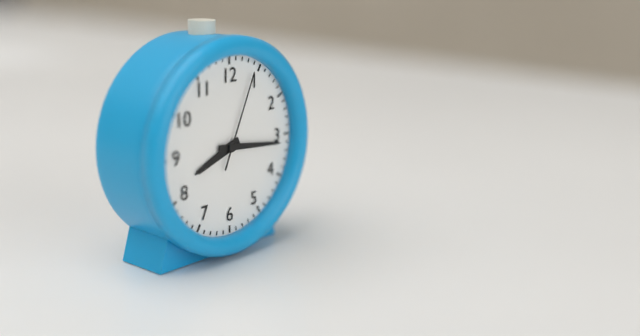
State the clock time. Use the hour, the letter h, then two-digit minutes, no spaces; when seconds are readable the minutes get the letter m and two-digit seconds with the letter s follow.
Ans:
8h16m04s
